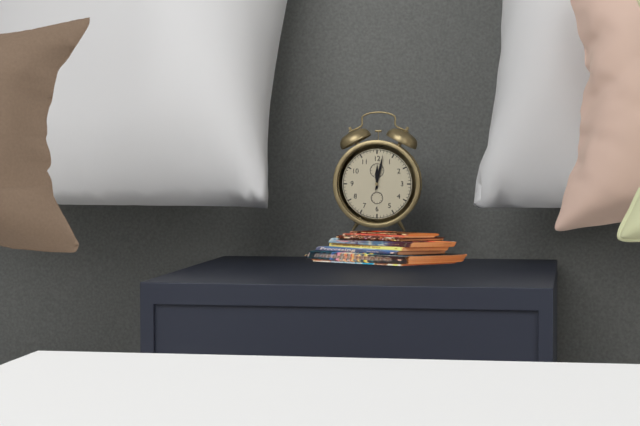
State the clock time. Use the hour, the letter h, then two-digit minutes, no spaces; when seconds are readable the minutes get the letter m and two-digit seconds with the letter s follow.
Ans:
12h02
